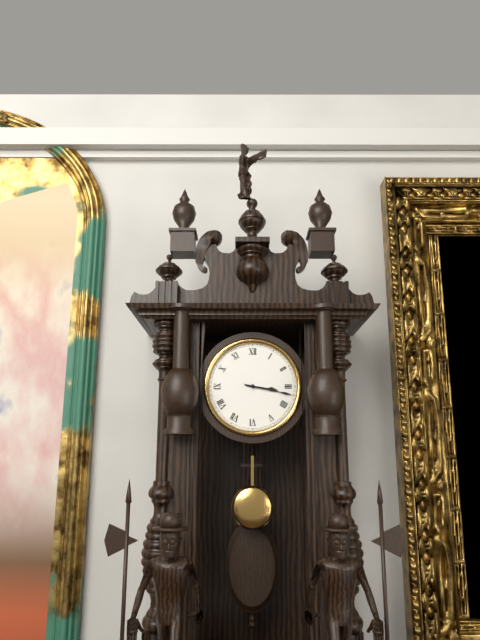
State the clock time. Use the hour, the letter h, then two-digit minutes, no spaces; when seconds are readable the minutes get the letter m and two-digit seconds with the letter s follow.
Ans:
3h17
